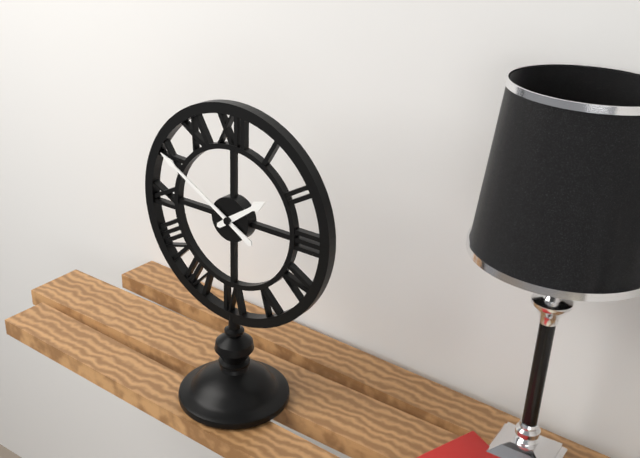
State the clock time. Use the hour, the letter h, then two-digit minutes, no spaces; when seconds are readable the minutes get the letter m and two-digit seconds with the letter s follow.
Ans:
1h50
